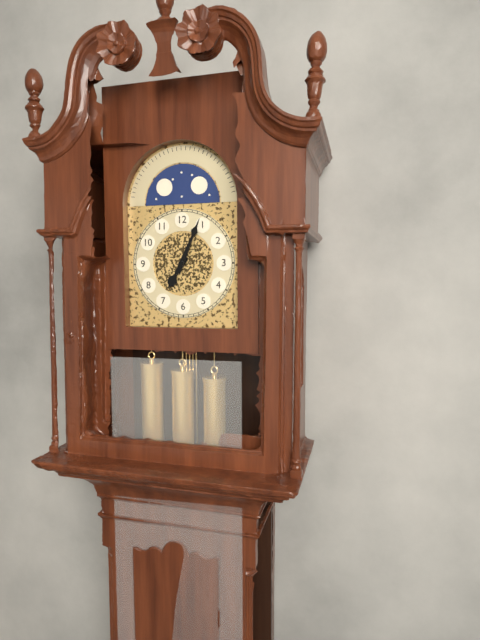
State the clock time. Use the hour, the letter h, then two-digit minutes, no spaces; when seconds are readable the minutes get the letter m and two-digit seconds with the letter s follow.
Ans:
7h04
